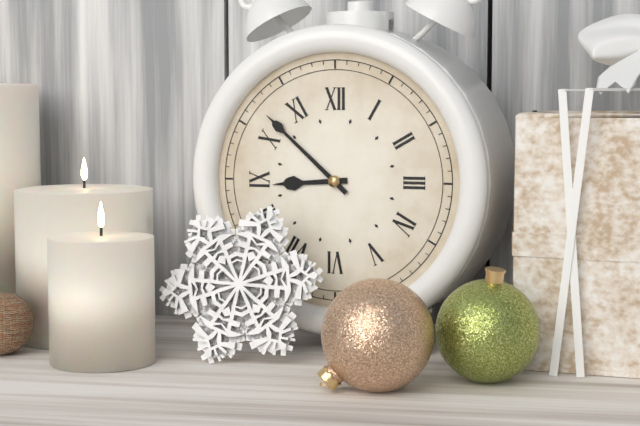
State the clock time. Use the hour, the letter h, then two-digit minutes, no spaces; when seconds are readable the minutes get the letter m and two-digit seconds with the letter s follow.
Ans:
8h52
